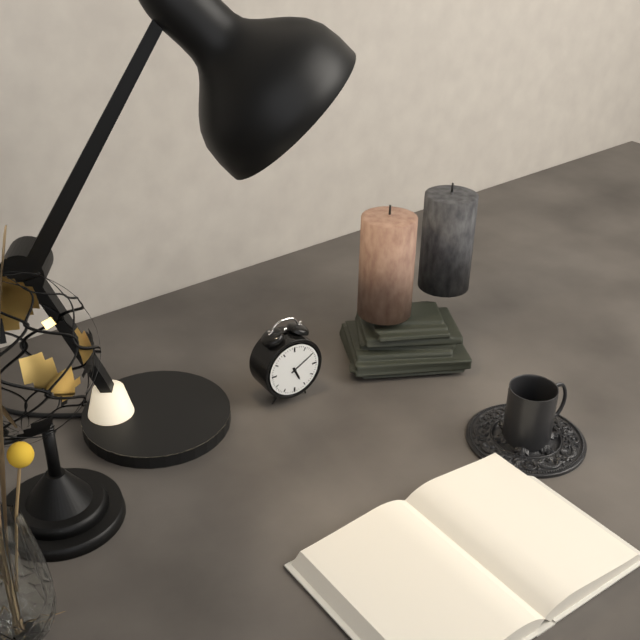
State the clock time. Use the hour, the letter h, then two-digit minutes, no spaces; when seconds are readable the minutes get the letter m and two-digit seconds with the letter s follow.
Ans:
5h10
